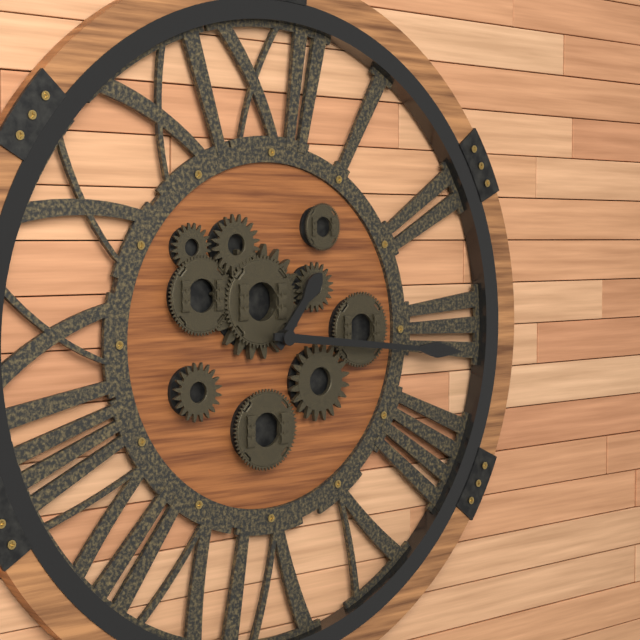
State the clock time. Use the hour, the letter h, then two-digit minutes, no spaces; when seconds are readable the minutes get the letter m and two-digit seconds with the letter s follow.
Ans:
1h16
